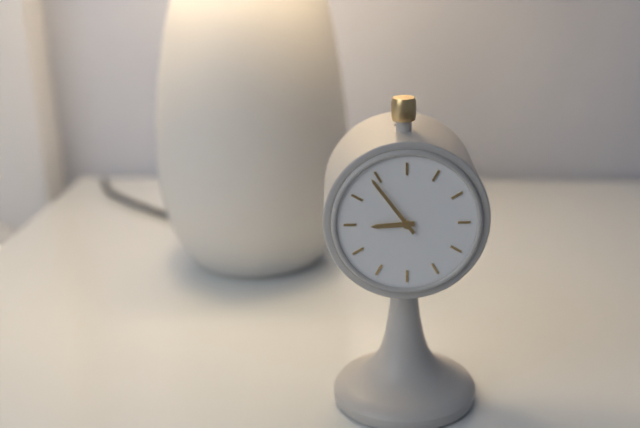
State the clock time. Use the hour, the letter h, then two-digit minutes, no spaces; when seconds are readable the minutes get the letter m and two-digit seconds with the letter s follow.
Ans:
8h54
